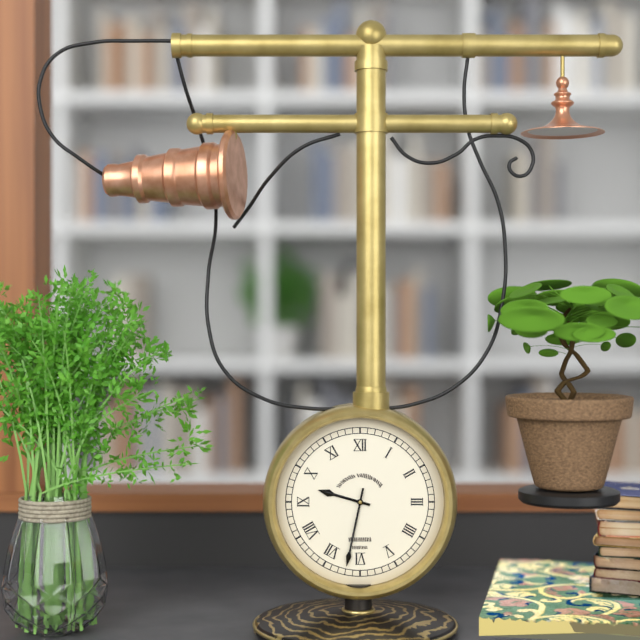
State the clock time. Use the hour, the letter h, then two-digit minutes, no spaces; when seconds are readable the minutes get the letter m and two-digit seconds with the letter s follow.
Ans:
9h32
